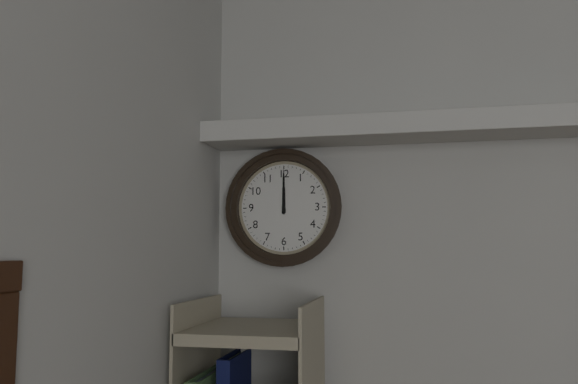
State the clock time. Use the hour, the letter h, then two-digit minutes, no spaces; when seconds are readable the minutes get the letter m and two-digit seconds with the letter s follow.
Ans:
12h00
